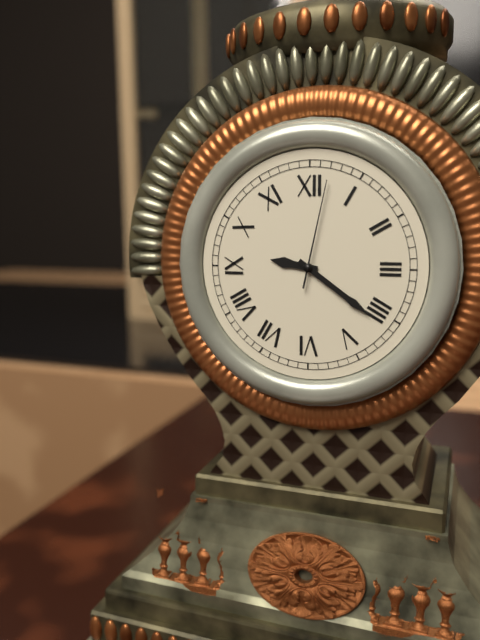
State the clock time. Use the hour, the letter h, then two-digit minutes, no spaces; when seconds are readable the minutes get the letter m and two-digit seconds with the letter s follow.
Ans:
9h21m02s
